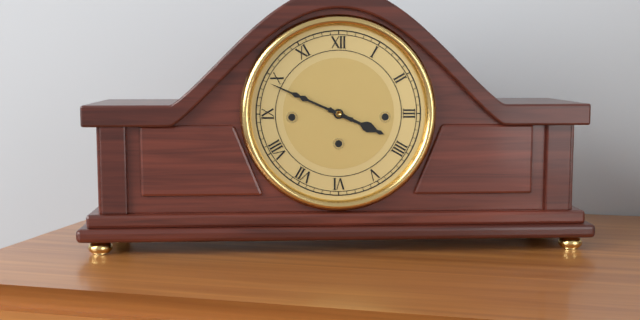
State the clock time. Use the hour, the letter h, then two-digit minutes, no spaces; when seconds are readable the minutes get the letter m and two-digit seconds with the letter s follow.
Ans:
3h49
